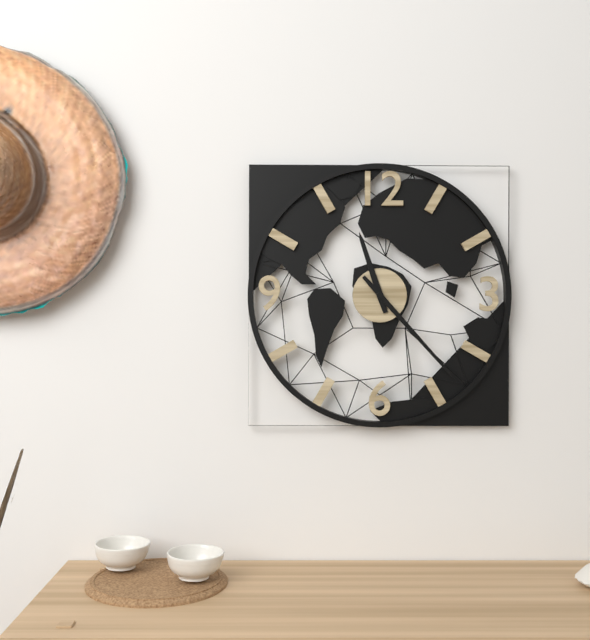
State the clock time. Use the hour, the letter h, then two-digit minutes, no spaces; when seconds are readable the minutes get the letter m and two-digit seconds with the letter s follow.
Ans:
11h23
